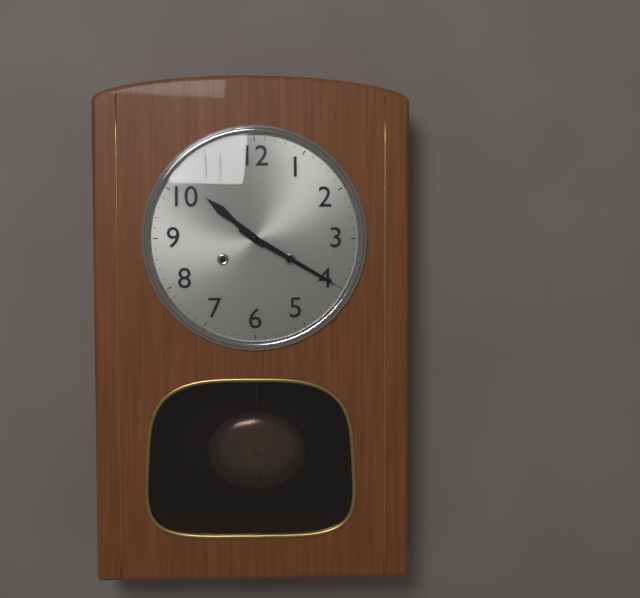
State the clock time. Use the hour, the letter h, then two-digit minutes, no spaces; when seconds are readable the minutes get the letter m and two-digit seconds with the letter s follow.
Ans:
10h20
